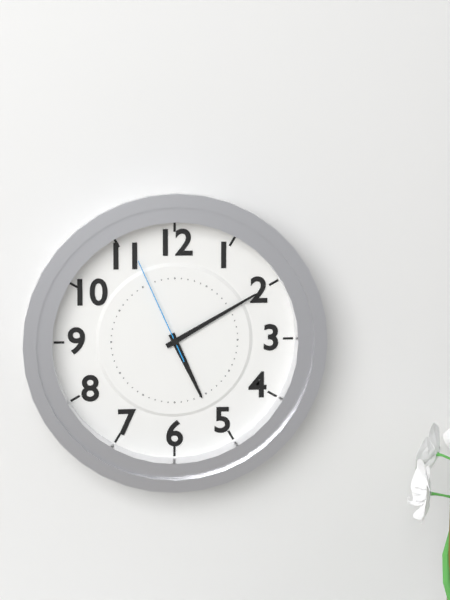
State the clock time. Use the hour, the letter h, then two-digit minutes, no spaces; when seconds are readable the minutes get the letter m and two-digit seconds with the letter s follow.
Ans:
5h10m56s
